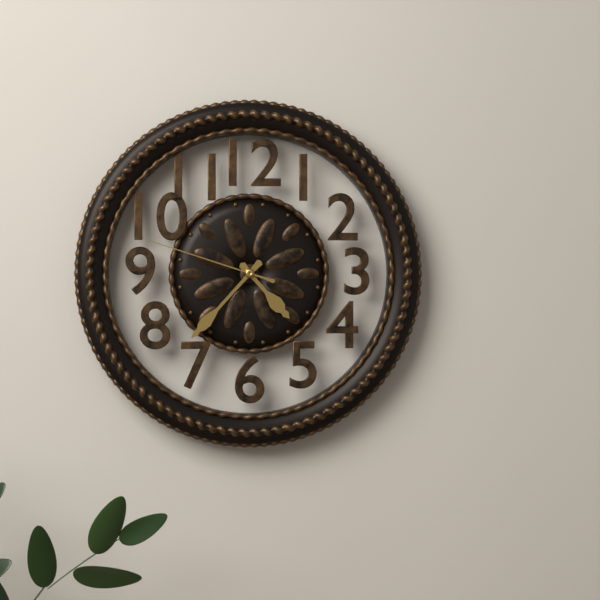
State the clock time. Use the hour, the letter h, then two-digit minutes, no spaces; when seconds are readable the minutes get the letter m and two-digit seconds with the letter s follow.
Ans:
4h37m48s
